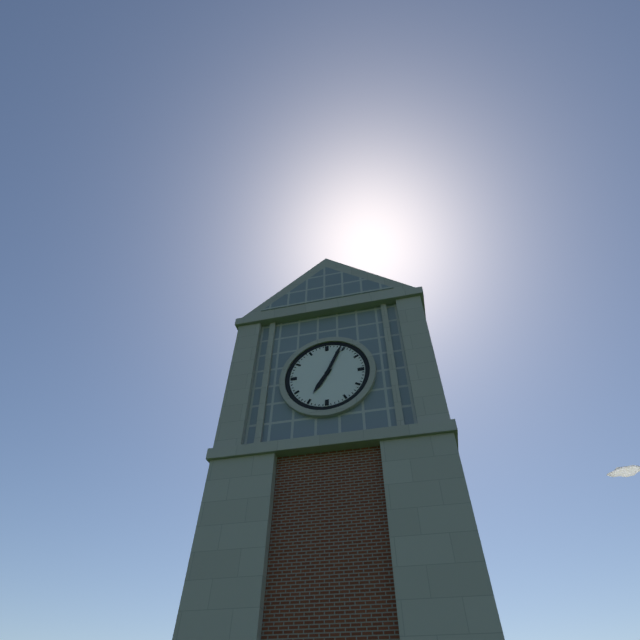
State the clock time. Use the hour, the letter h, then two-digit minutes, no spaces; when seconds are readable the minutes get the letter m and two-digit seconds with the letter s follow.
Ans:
7h04
